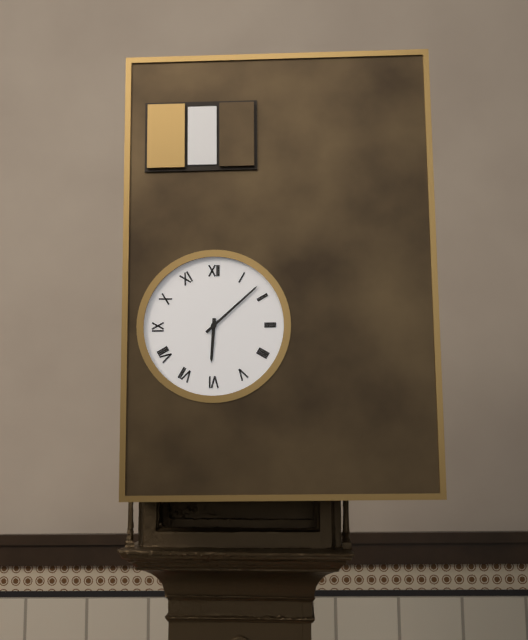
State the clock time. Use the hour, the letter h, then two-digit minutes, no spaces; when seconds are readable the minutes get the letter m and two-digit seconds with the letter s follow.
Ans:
6h08
